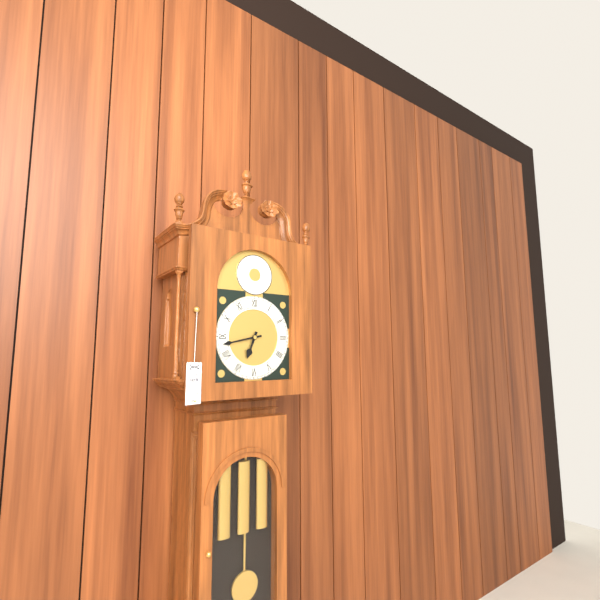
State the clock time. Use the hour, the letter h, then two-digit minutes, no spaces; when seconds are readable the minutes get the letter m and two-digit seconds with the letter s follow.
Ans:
6h43
